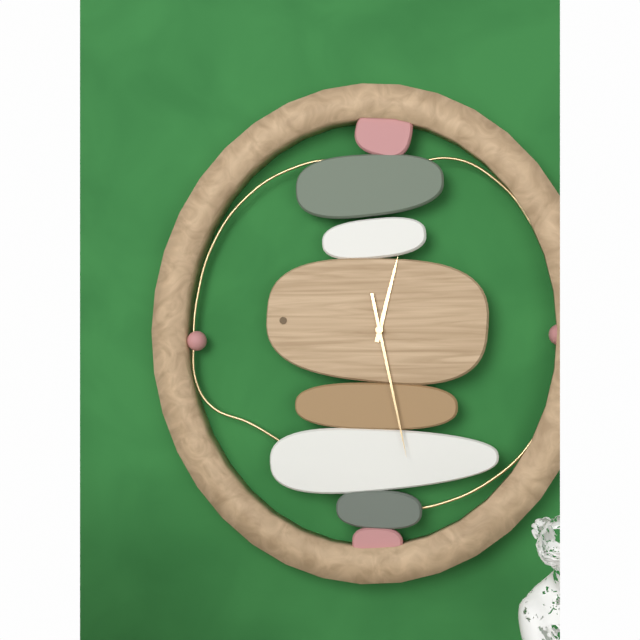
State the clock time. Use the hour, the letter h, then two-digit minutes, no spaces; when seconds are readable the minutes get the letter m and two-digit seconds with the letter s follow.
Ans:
12h28
